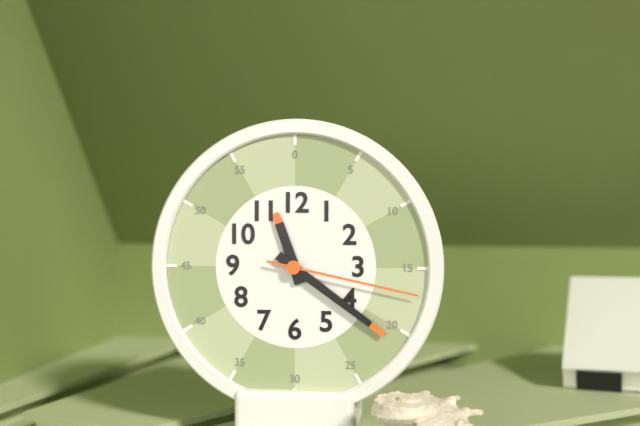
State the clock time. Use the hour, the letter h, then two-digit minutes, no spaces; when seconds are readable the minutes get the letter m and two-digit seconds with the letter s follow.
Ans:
11h21m17s
